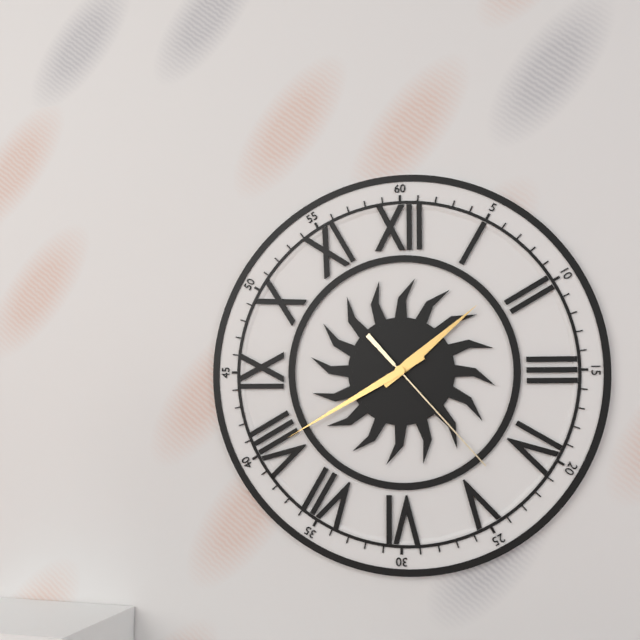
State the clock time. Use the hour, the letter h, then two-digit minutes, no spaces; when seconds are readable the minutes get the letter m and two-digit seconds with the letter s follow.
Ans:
1h40m23s
